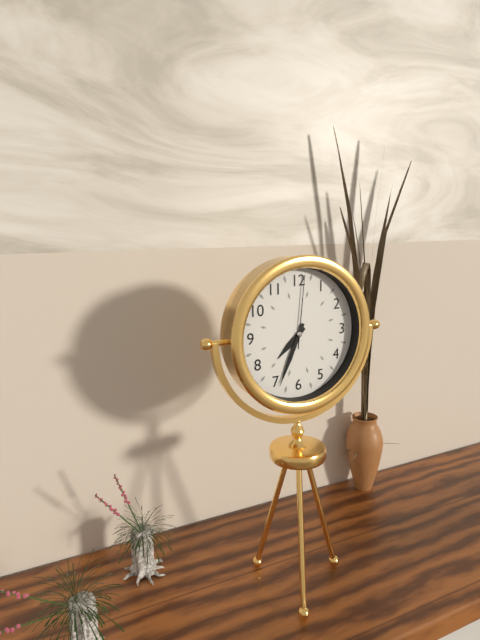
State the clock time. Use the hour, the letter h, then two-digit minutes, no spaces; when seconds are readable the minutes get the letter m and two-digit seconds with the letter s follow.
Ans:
7h34m01s
